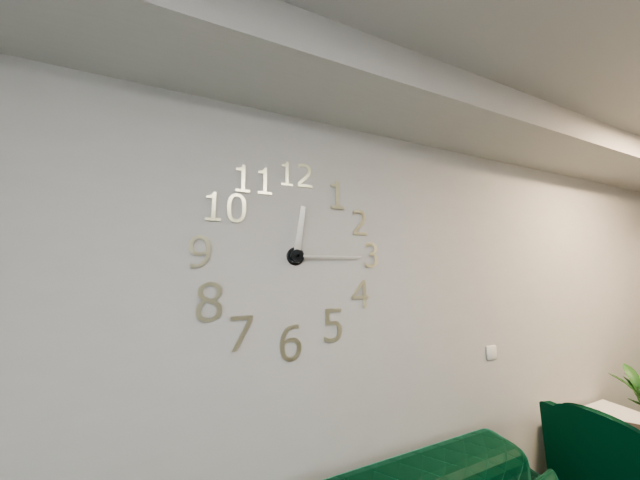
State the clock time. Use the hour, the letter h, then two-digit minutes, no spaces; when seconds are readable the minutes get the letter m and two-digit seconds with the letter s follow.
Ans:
12h15
